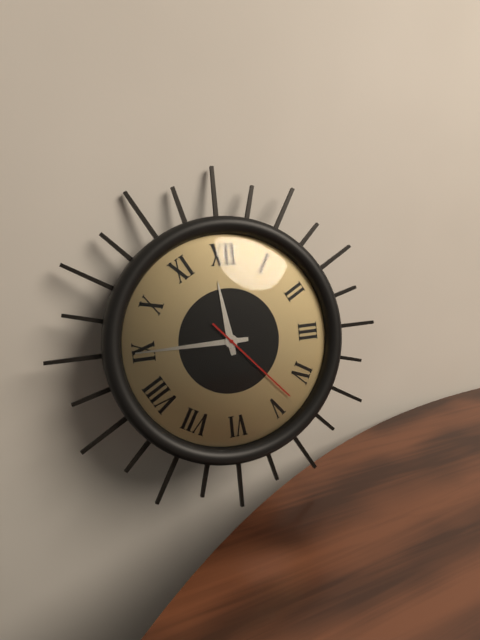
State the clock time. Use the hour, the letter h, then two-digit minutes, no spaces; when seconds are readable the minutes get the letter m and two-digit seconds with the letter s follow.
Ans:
11h45m23s
